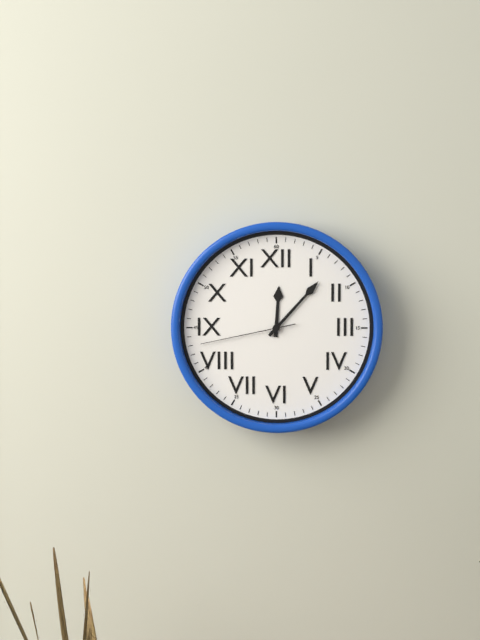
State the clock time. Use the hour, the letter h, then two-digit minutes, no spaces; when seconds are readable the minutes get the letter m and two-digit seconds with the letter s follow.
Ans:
12h07m43s
